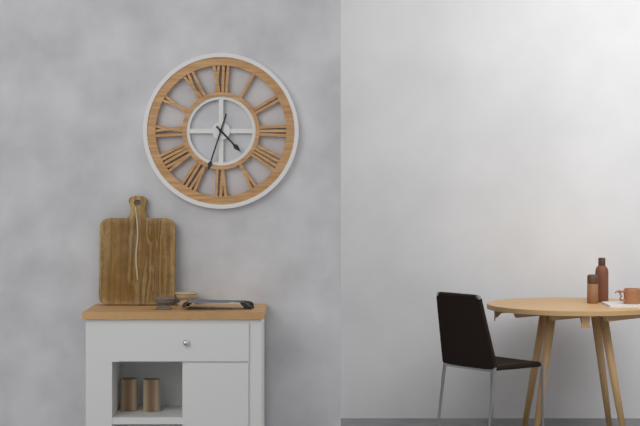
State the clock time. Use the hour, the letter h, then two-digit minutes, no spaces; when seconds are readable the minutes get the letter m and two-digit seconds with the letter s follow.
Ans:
4h33
